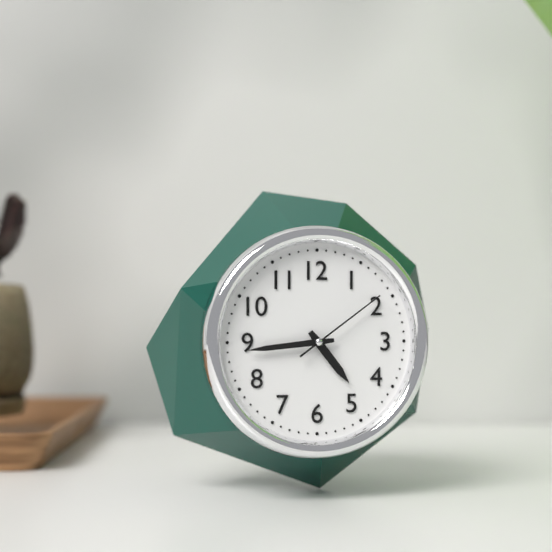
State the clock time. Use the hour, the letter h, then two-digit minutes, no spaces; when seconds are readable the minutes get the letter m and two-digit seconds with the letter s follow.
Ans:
4h44m09s
